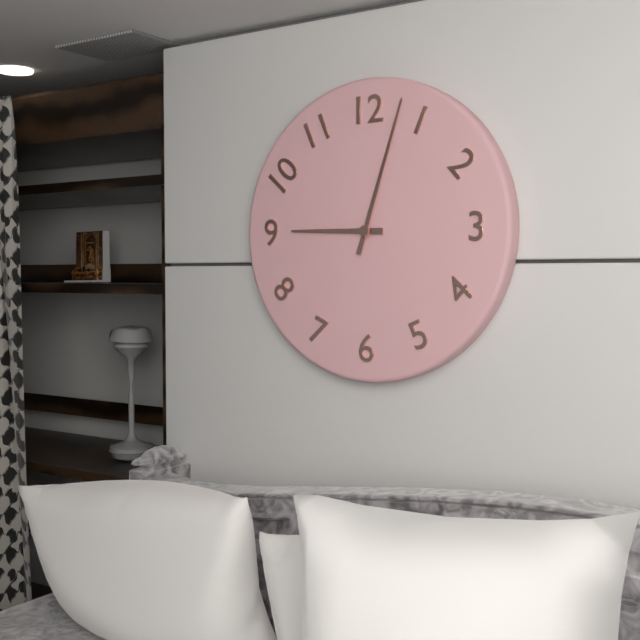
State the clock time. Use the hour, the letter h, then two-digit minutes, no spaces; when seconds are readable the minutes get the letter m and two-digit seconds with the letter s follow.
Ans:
9h03
